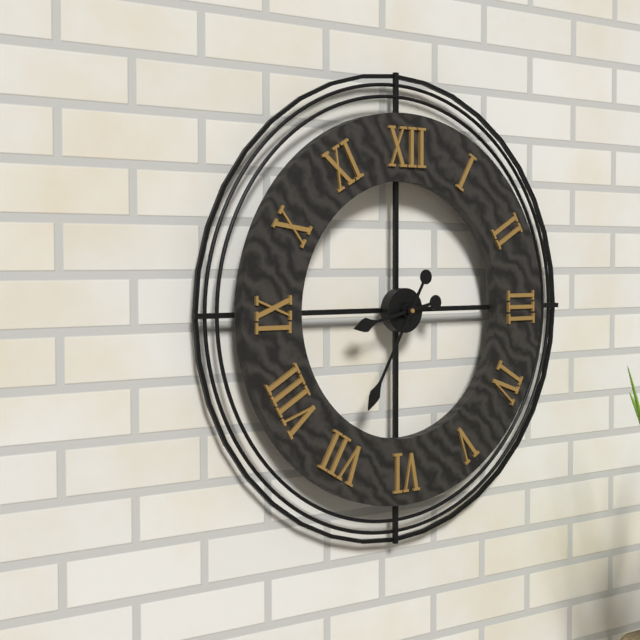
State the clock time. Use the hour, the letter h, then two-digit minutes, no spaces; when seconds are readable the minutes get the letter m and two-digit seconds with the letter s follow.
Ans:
8h35
